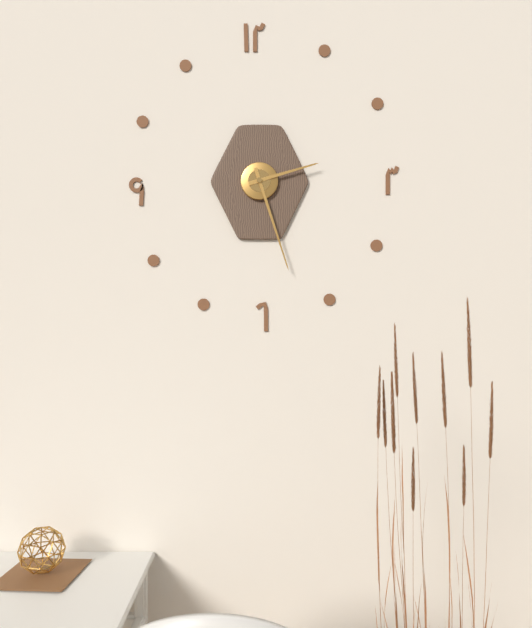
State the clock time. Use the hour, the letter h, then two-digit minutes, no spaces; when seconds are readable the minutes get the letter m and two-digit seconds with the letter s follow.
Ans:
2h27
